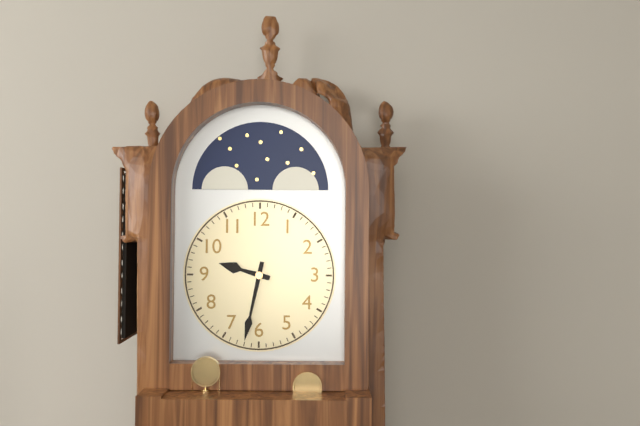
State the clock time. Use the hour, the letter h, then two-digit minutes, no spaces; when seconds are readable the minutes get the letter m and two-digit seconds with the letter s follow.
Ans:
9h32
